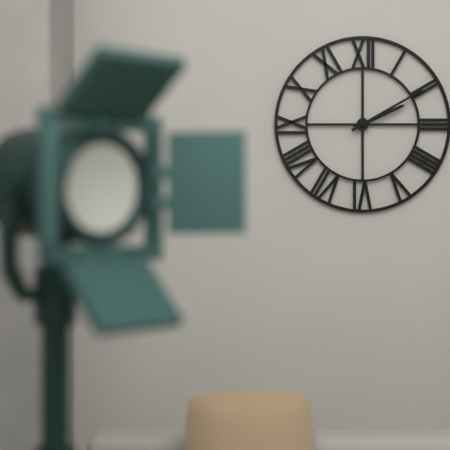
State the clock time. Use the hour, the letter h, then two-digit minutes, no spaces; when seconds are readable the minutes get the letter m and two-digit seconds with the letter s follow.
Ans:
2h10
